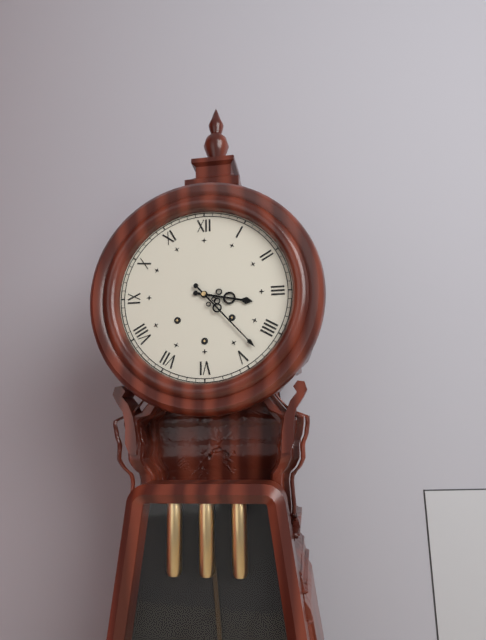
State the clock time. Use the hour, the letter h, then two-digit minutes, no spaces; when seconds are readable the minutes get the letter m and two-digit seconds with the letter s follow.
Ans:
3h23
